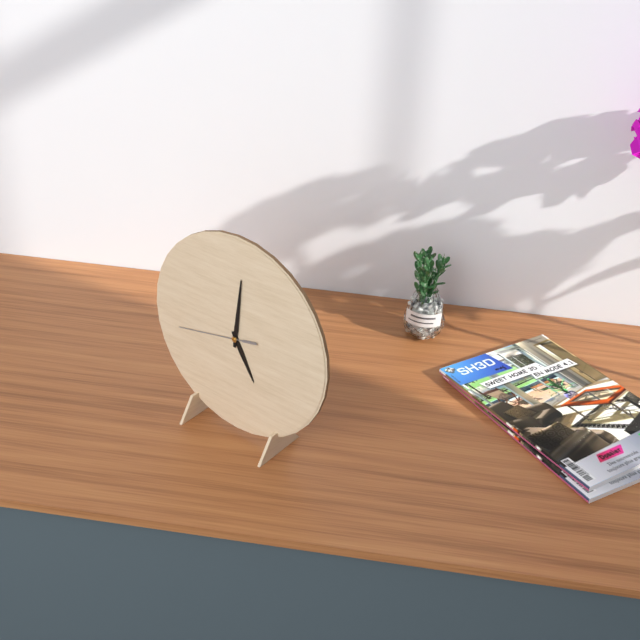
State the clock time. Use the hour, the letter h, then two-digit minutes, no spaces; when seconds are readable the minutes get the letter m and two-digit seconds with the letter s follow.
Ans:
5h01m43s
